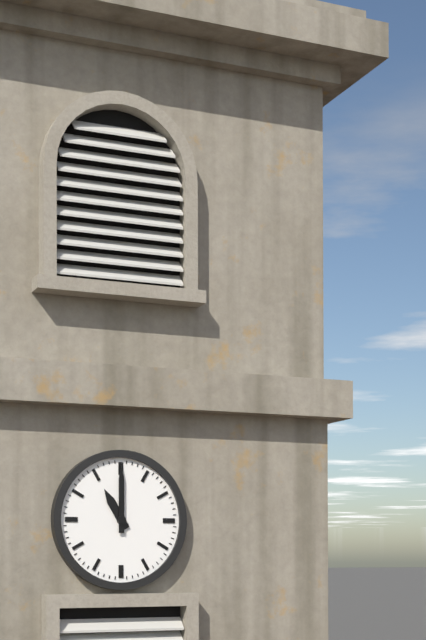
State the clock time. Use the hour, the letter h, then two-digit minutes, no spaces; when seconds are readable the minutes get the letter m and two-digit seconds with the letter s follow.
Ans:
11h00
